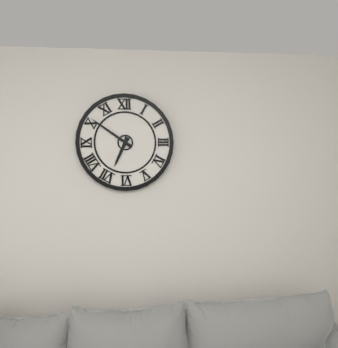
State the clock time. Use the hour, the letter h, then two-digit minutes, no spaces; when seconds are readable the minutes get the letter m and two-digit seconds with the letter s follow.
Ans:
6h51
